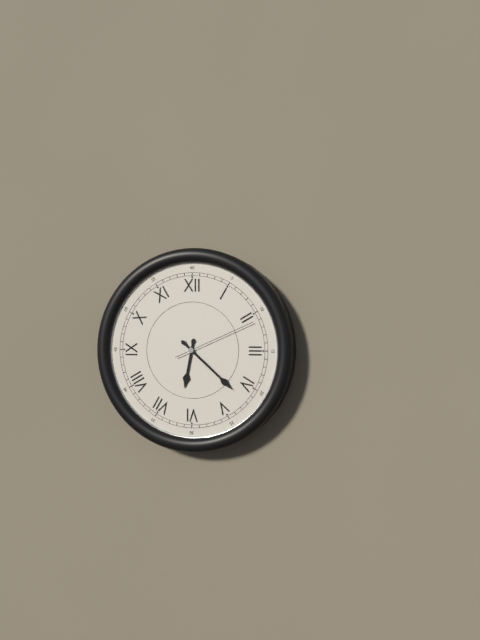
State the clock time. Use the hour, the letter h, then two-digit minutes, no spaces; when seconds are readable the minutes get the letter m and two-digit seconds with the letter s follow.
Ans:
6h22m11s
